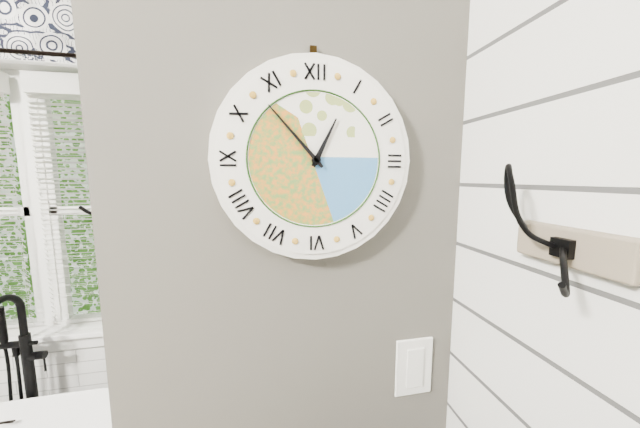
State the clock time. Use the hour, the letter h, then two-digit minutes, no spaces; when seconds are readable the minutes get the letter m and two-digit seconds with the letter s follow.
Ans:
12h53
